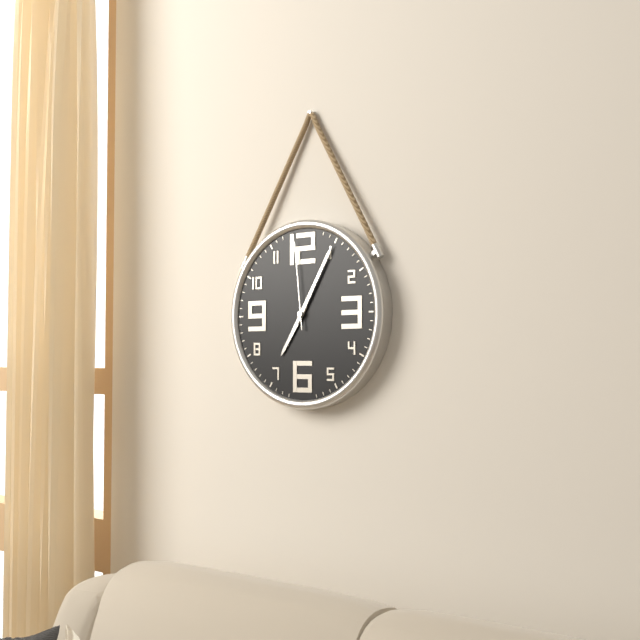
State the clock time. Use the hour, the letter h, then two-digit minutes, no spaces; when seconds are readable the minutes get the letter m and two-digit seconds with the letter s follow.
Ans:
7h05m59s
